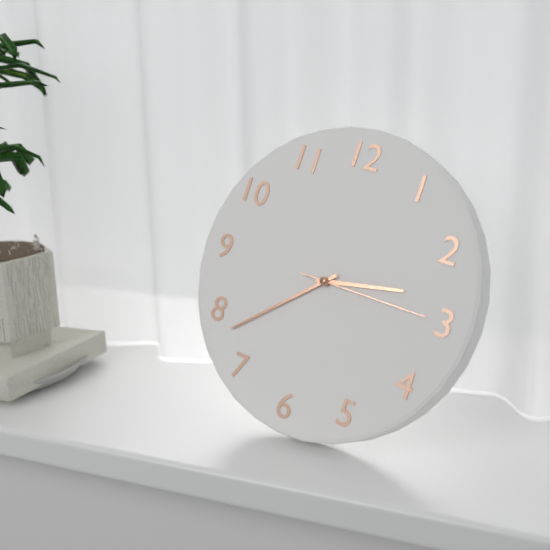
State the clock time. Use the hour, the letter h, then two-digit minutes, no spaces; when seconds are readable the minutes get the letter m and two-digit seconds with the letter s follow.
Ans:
2h38m15s
